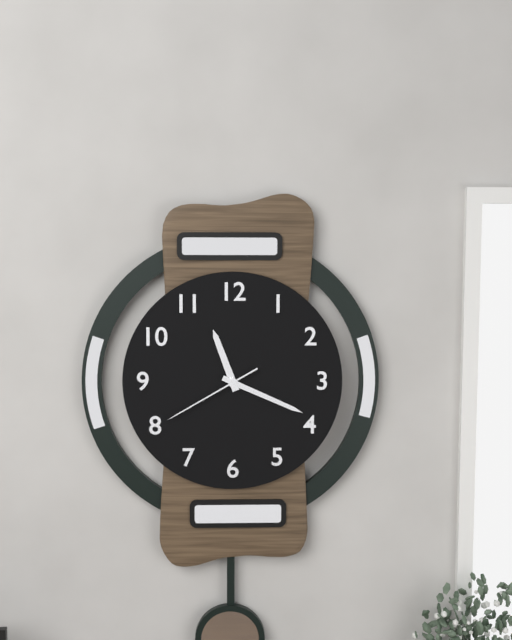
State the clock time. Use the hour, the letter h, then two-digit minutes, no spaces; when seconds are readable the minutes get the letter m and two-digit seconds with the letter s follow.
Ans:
11h19m40s
